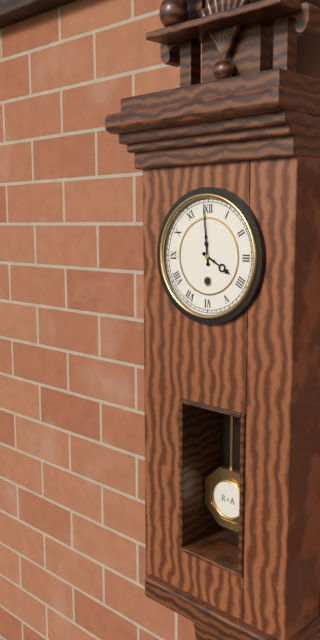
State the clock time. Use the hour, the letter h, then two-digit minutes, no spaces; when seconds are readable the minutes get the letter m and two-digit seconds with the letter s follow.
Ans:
3h59
